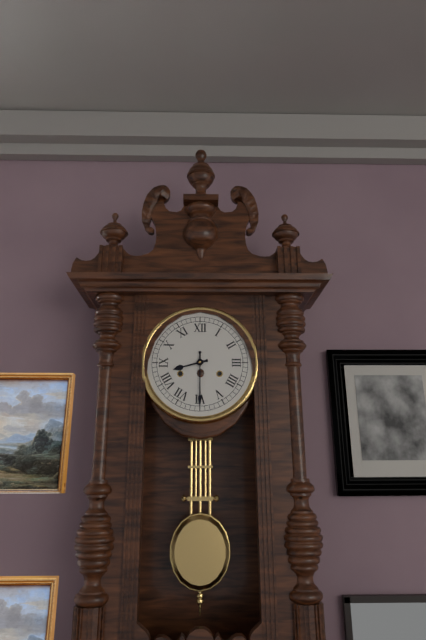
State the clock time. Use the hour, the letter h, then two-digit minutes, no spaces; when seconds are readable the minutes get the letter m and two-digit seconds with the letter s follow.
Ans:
8h30
